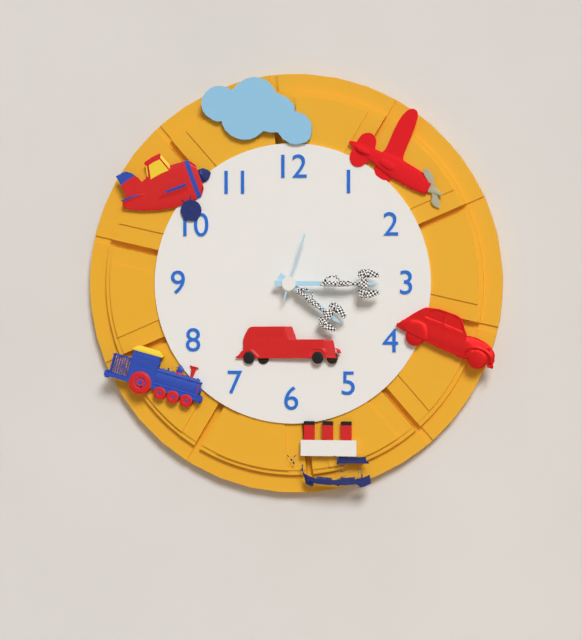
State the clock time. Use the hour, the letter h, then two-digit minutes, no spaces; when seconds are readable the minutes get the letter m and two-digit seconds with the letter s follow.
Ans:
4h15m03s
